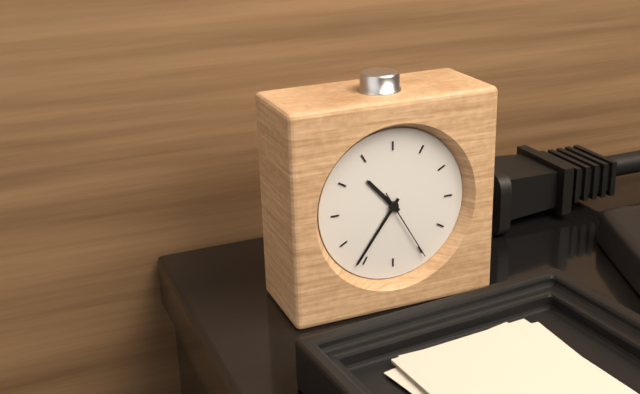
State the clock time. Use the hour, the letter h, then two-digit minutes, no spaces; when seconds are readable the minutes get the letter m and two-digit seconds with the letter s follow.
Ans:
10h36m25s
